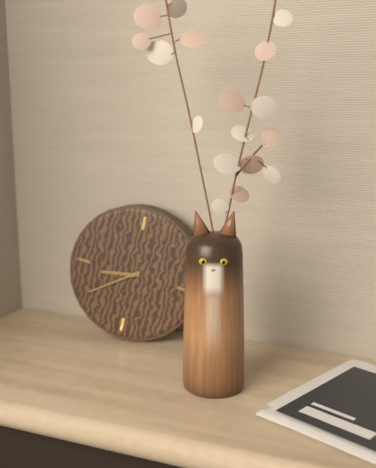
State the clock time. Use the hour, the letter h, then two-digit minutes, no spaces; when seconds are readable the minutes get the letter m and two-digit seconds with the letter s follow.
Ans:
8h39
